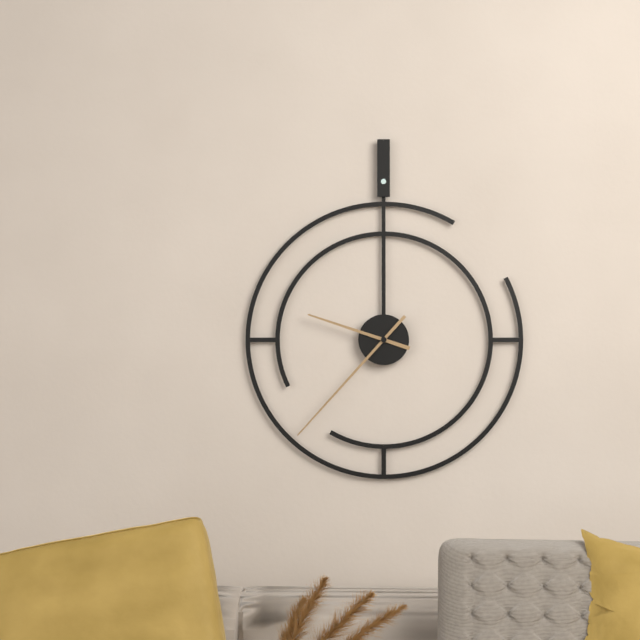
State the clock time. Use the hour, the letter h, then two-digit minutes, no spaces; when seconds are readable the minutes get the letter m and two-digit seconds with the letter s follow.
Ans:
9h37
